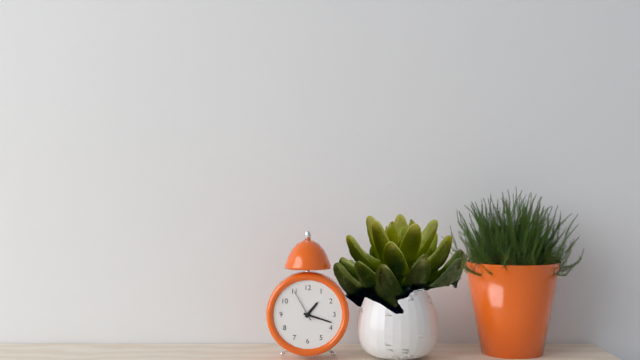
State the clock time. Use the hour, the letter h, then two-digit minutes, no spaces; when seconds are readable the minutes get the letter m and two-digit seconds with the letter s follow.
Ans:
1h18
